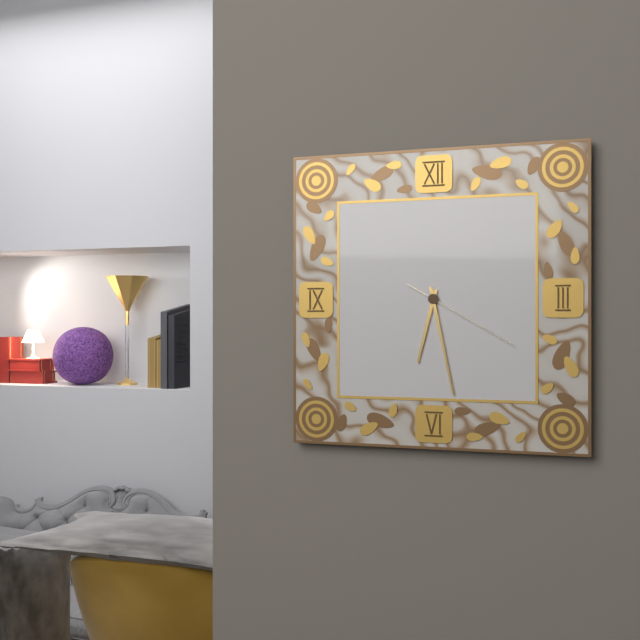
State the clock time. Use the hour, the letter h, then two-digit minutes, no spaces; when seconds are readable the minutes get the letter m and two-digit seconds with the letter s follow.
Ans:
6h28m20s
